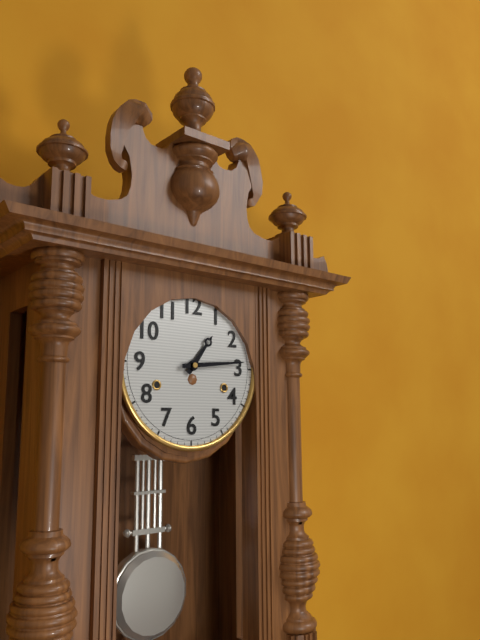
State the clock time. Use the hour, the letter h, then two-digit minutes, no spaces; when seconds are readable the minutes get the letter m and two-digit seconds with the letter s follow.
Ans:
1h14
